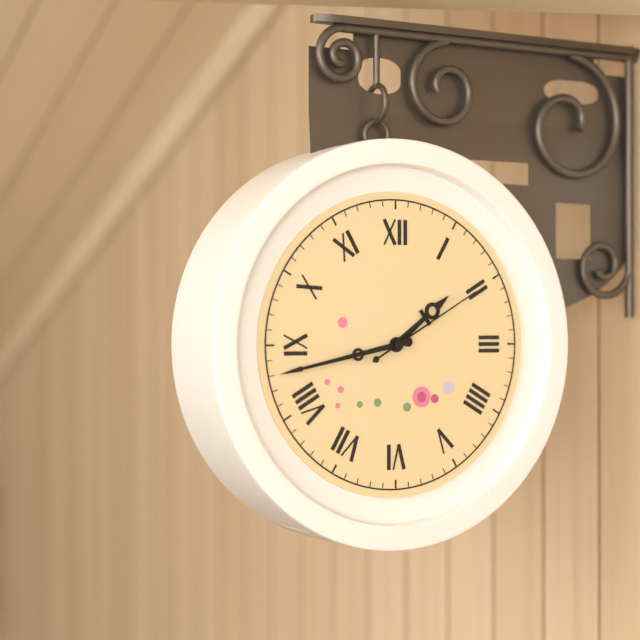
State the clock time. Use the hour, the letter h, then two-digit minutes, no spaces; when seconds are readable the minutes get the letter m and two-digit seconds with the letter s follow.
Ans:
1h43m10s
